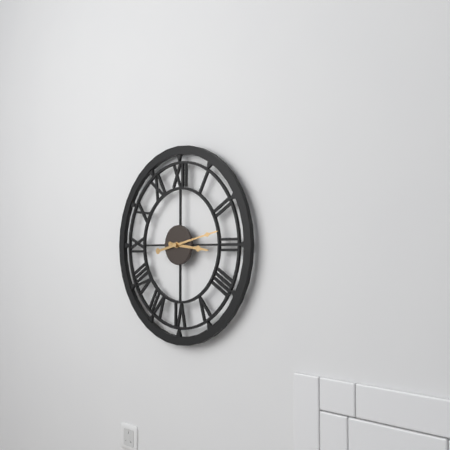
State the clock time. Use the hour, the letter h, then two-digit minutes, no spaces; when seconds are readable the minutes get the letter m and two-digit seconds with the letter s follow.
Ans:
3h13
